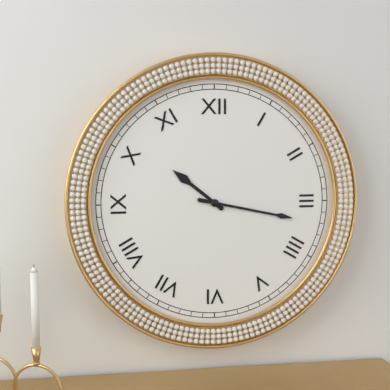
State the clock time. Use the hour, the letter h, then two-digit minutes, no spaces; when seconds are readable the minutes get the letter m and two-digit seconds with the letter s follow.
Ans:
10h17
